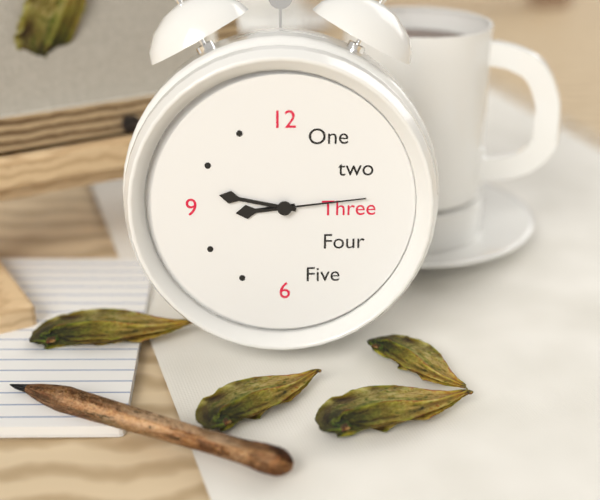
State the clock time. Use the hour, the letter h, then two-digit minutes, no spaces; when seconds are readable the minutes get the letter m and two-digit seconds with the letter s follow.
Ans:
8h47m14s
